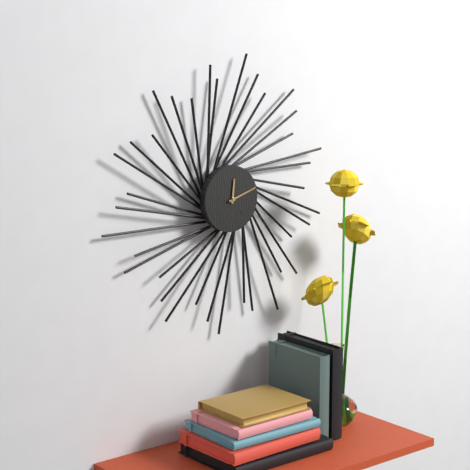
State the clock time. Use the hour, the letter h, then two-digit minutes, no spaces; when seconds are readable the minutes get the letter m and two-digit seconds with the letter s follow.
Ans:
12h12
